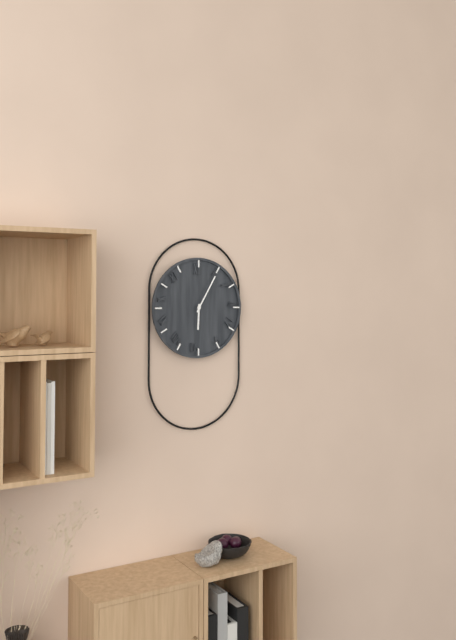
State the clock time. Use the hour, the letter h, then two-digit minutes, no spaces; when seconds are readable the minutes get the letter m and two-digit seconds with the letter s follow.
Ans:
6h05
